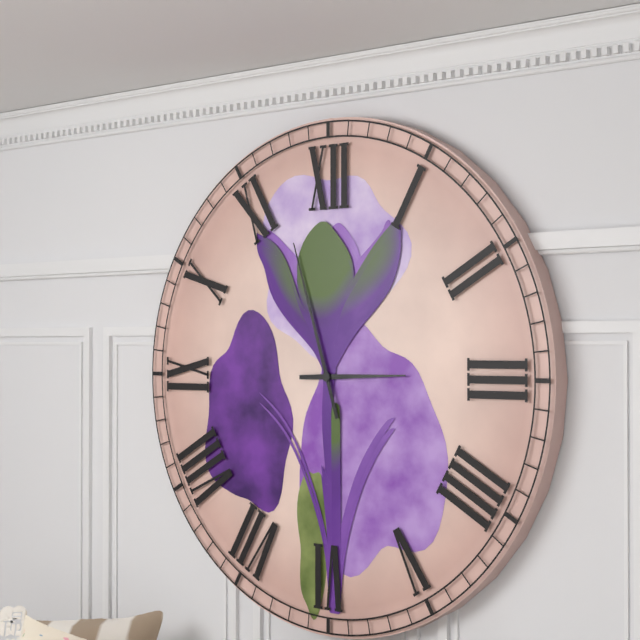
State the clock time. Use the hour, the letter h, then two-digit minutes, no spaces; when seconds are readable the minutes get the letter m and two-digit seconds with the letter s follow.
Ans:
2h57
